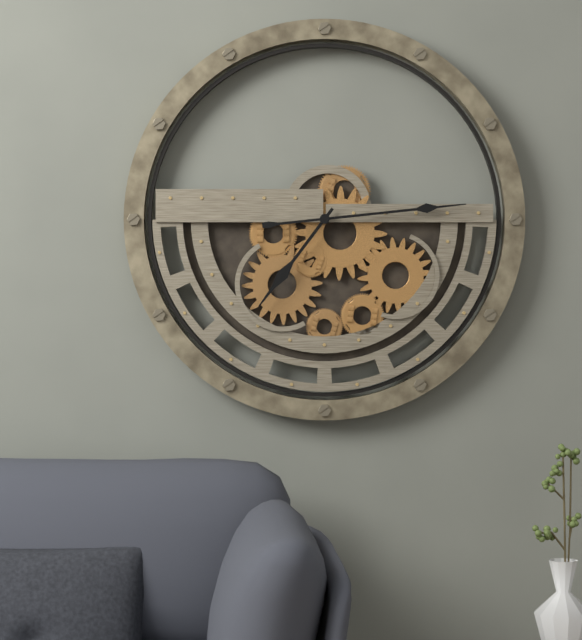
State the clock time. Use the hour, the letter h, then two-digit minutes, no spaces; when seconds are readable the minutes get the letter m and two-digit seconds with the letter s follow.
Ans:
7h14
